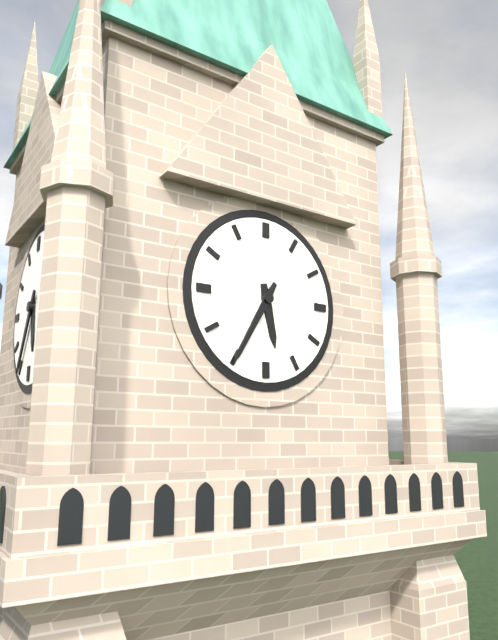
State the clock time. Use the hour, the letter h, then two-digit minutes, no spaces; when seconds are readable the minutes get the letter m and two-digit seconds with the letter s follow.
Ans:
5h35
